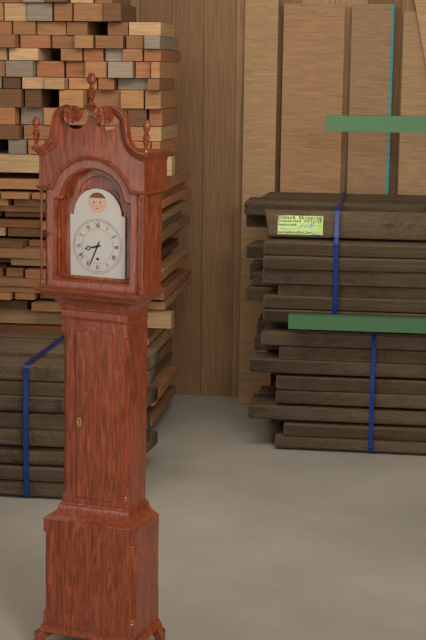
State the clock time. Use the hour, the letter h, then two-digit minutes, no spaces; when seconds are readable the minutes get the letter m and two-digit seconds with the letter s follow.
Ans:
8h34
